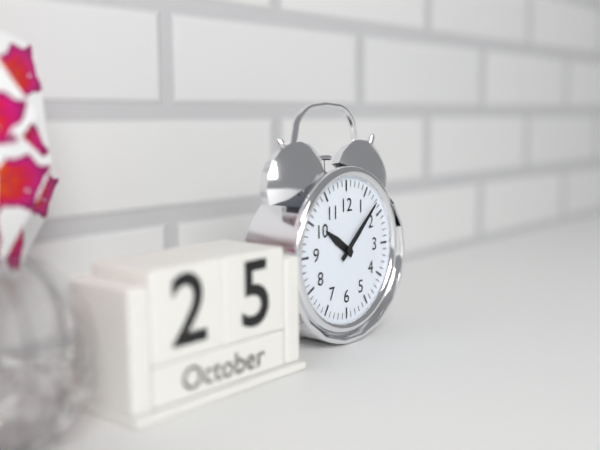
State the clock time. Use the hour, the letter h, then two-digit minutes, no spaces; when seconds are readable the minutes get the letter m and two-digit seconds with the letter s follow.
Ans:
10h08
